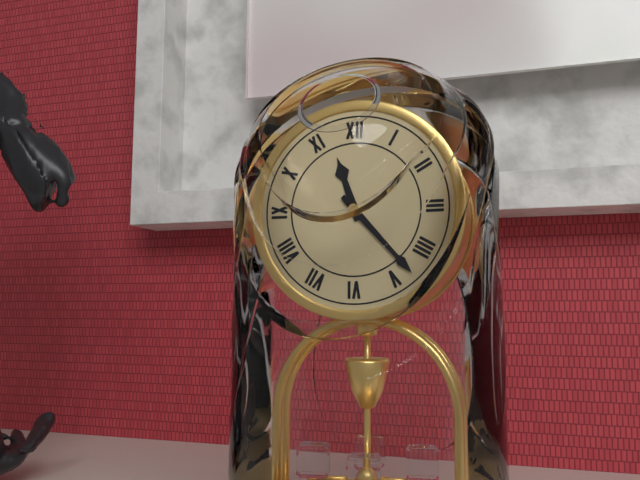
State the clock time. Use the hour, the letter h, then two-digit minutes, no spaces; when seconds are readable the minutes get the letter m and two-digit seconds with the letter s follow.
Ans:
11h23
